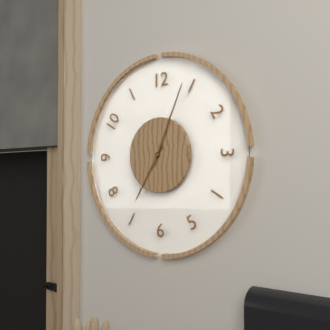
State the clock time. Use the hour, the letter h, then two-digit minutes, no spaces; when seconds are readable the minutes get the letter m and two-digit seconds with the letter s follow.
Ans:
7h04
